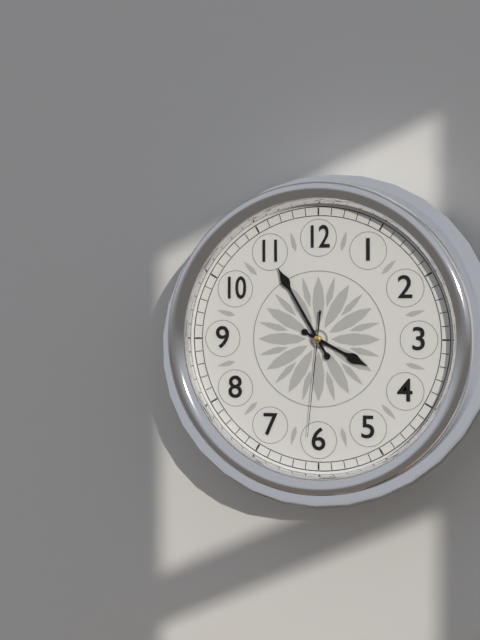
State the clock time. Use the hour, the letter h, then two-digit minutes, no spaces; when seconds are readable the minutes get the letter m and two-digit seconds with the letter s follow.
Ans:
3h55m31s
